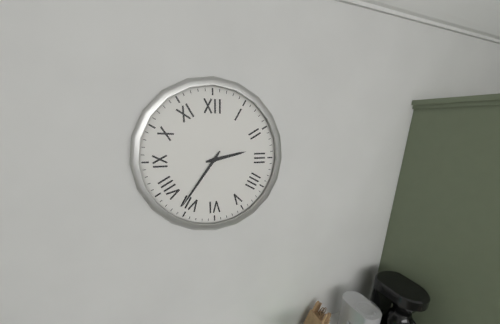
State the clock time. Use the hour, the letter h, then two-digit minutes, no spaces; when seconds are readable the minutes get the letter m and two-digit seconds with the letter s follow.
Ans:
2h36
